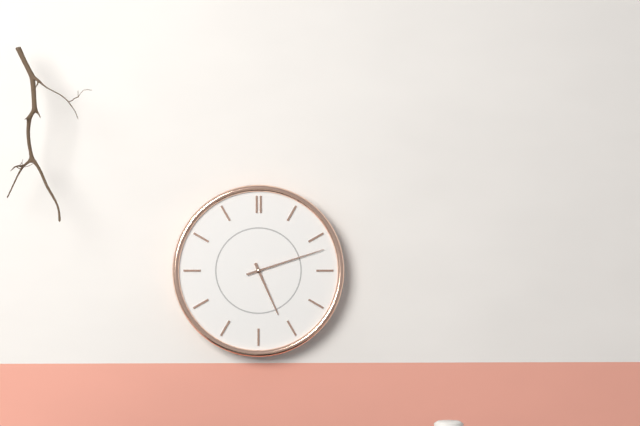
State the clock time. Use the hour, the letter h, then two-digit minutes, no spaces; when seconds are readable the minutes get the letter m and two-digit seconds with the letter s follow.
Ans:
5h12
